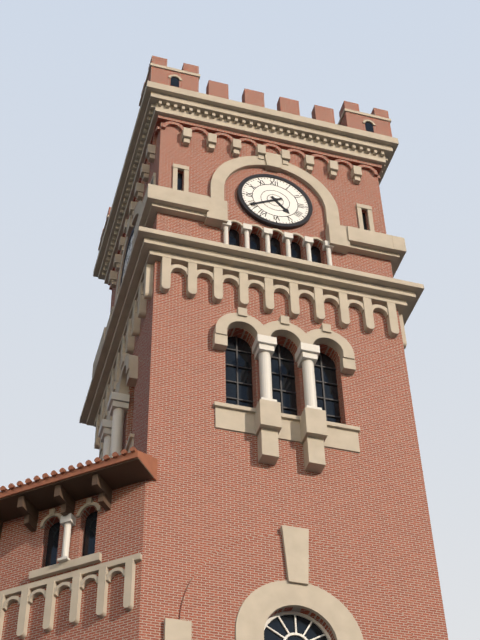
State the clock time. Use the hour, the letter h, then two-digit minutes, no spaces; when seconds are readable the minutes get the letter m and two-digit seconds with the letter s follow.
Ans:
4h40
